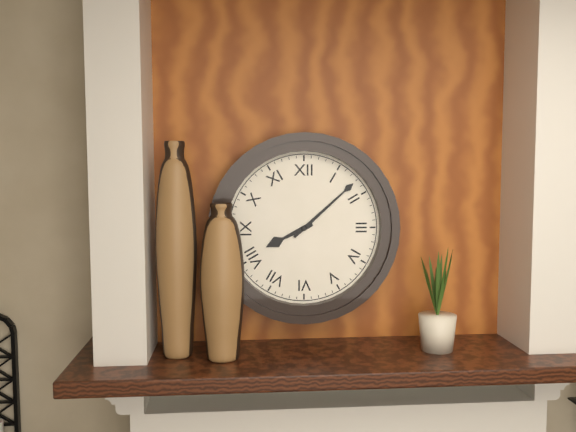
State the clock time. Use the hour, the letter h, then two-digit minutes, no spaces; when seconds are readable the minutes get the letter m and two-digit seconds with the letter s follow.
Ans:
8h08
